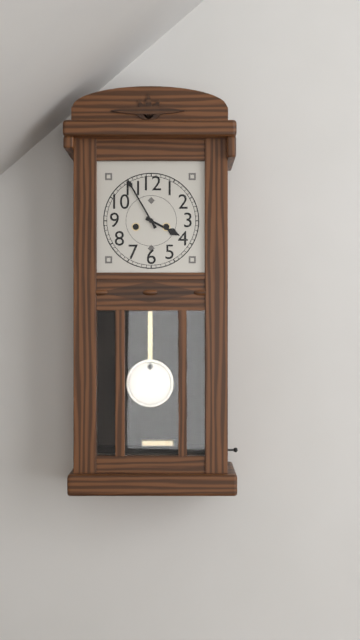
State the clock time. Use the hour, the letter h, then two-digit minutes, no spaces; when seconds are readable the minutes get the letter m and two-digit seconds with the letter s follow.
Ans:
3h55
